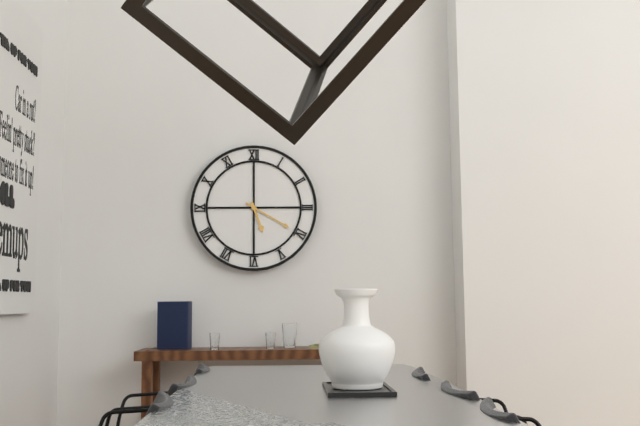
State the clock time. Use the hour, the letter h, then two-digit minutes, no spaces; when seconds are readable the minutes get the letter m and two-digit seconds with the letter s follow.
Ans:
5h20
